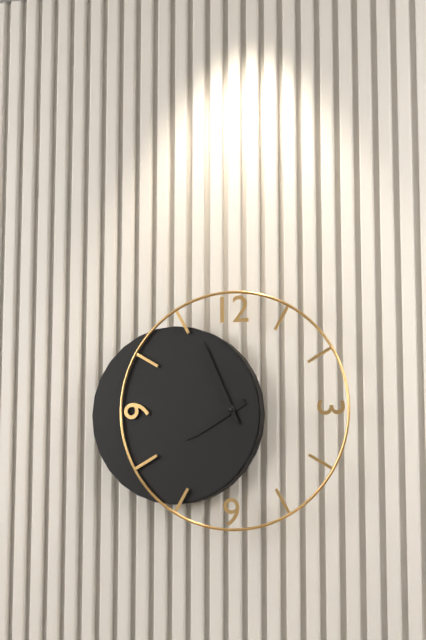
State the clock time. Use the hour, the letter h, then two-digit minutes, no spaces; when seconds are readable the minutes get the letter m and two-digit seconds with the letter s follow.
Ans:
7h56
